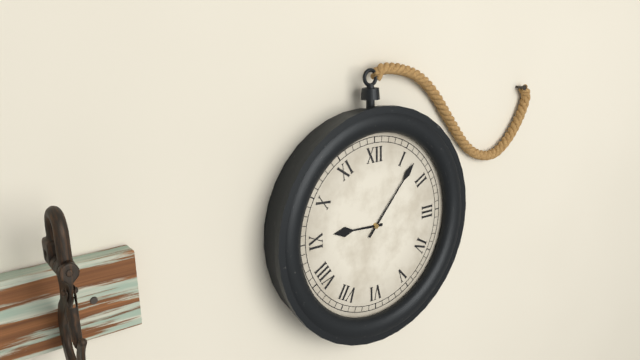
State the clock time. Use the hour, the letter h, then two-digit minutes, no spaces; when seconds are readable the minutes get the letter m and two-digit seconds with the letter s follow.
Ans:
9h07
